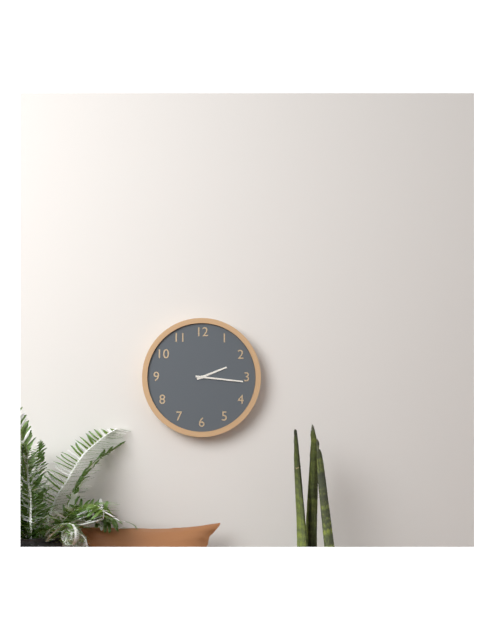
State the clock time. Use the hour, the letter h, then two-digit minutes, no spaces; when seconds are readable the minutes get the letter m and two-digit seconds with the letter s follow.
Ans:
2h16
